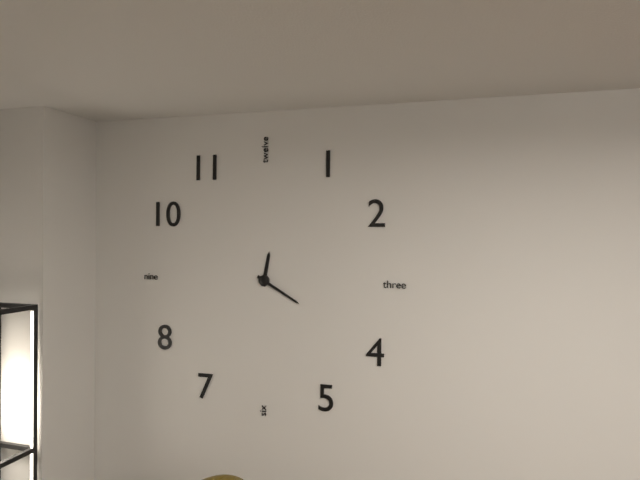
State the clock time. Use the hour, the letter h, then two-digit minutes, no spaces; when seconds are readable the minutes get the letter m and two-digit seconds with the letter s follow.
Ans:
12h20
